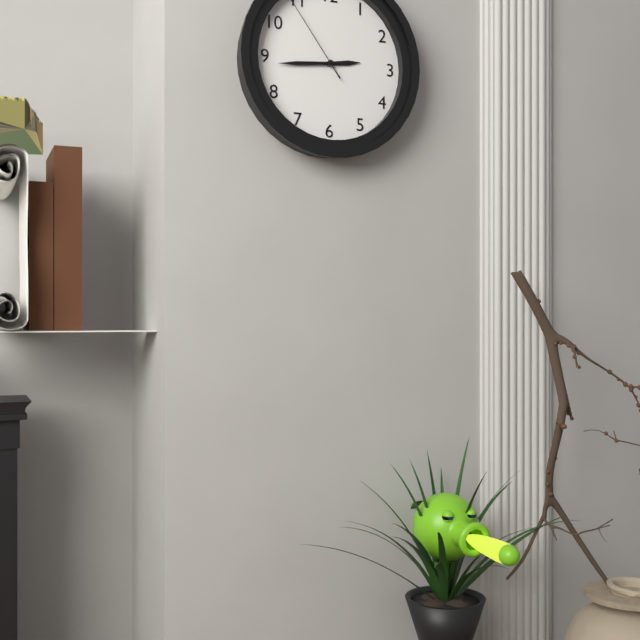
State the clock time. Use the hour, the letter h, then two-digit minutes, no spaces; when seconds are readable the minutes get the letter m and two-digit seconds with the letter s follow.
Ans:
2h44
